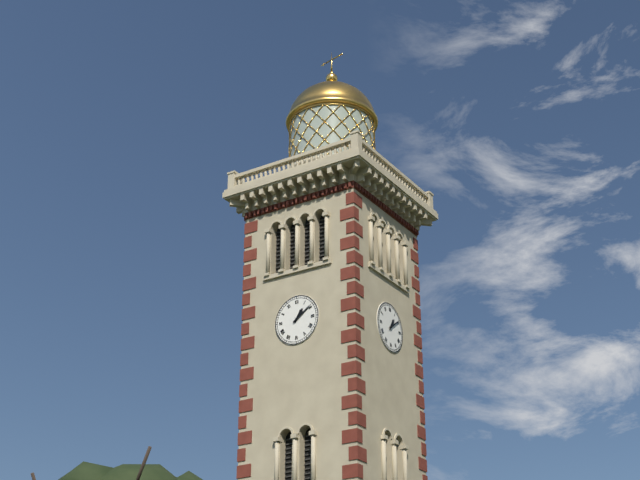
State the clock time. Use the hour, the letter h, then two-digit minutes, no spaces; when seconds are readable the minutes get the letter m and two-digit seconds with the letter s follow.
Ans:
1h09
